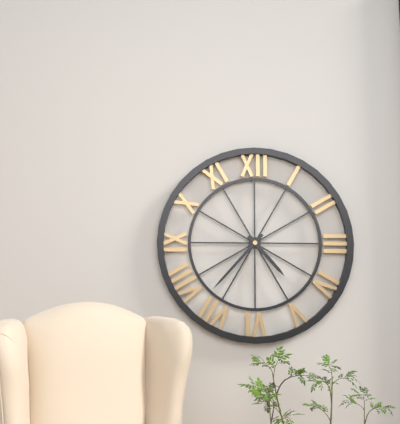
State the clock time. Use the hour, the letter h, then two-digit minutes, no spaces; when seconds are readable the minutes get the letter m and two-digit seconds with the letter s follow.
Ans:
4h37
